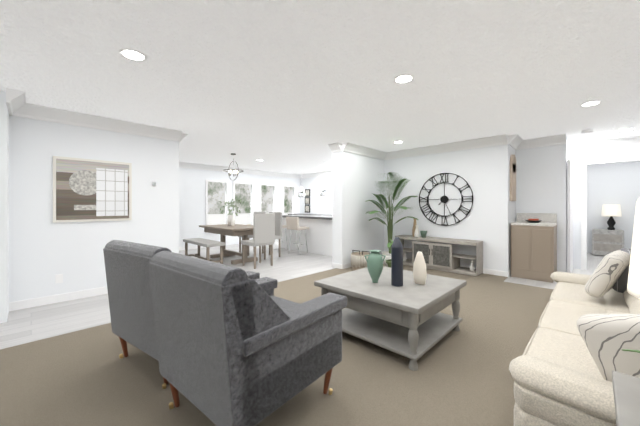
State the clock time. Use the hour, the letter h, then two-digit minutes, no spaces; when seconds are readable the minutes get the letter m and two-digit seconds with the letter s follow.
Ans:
7h26
